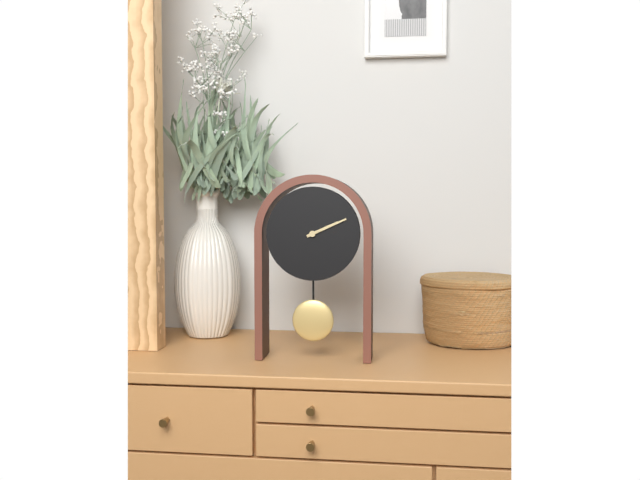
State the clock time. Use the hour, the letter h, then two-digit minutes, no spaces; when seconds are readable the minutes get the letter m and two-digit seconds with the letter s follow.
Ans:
2h11
